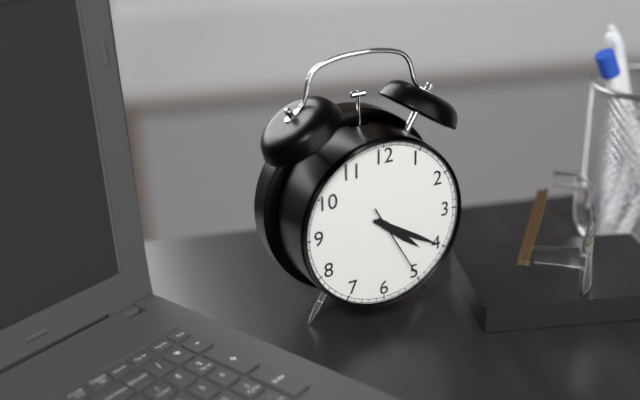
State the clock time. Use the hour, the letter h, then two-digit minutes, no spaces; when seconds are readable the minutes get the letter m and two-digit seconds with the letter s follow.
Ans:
4h20m25s
